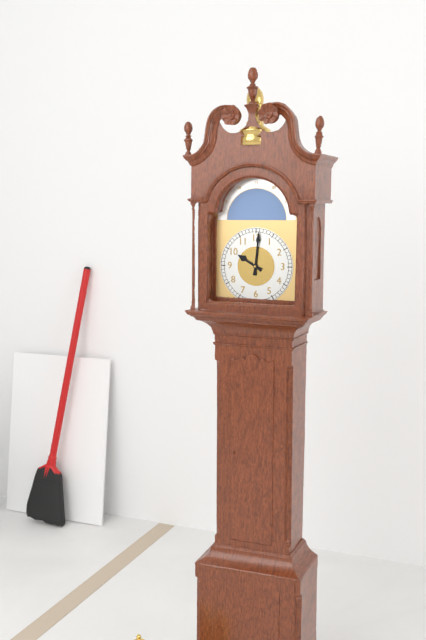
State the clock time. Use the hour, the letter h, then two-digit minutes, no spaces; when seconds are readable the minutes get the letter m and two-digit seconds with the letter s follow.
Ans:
10h01
